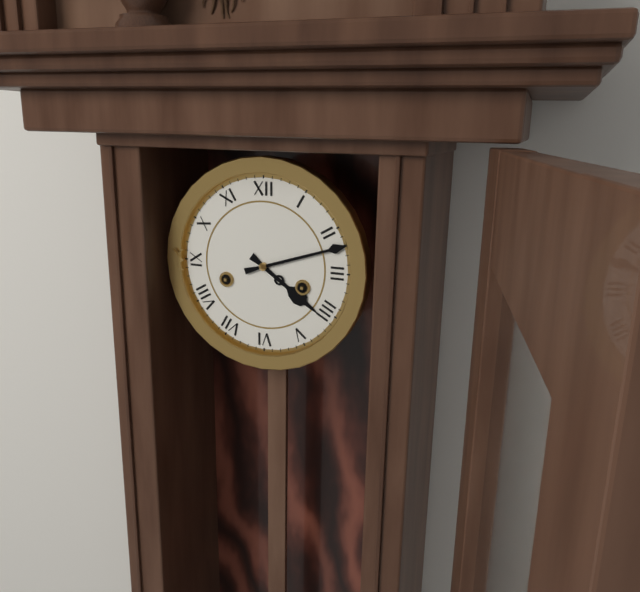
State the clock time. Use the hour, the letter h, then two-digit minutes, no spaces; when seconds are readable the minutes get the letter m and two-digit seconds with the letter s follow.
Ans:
4h12
